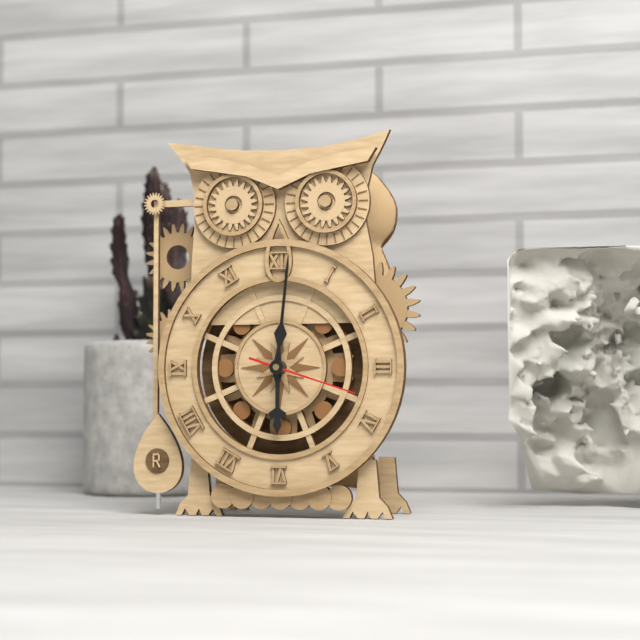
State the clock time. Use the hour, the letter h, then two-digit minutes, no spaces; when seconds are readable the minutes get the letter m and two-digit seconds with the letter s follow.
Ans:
6h01m18s
